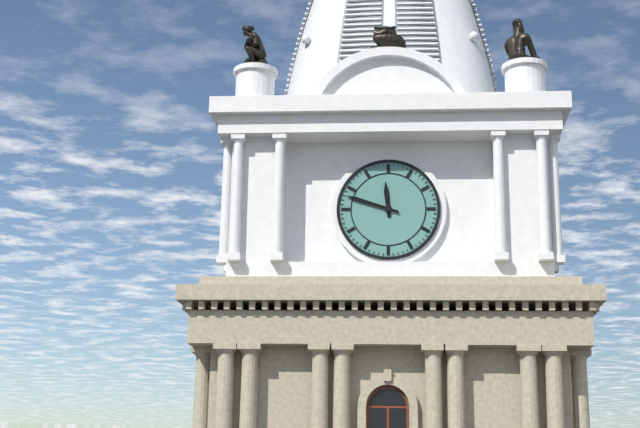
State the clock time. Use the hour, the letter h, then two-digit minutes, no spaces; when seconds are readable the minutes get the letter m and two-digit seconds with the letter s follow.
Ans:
11h48
